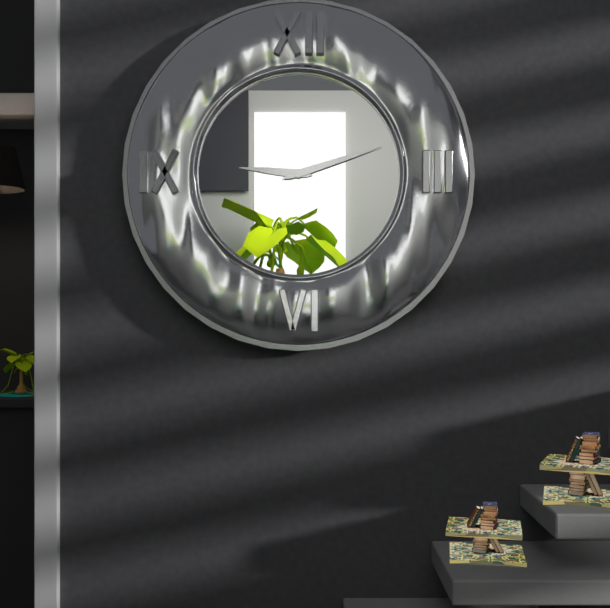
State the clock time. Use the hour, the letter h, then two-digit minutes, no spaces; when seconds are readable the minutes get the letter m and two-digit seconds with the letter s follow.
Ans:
9h12
